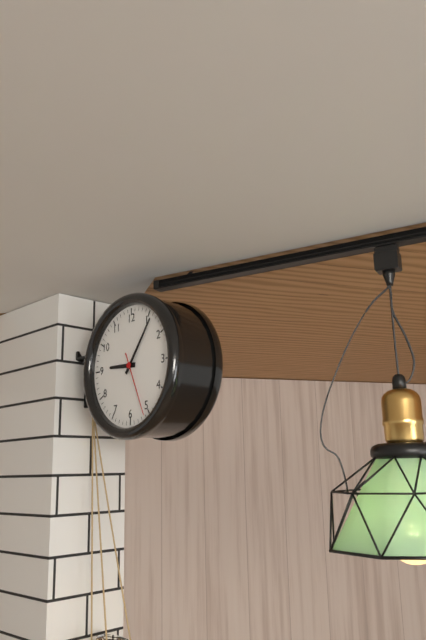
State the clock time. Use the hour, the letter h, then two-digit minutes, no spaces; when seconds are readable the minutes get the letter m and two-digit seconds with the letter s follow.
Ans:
9h06m26s
